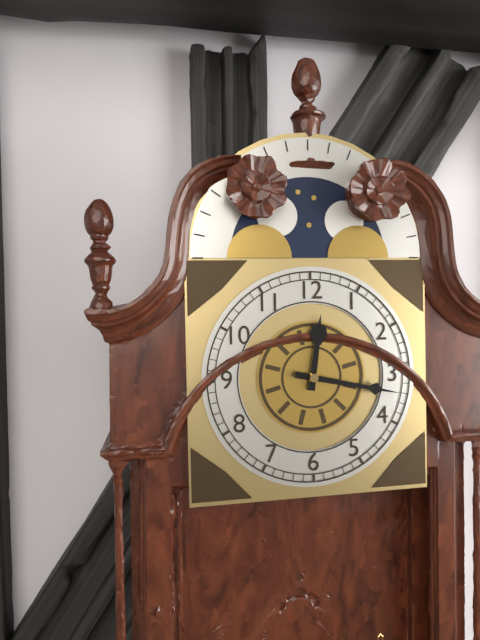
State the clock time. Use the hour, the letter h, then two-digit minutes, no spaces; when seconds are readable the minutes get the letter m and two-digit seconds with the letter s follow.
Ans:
12h17
